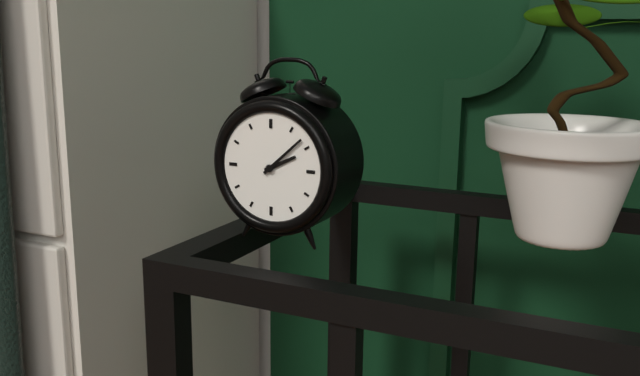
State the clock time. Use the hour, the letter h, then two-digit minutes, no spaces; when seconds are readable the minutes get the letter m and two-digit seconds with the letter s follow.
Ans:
2h08
